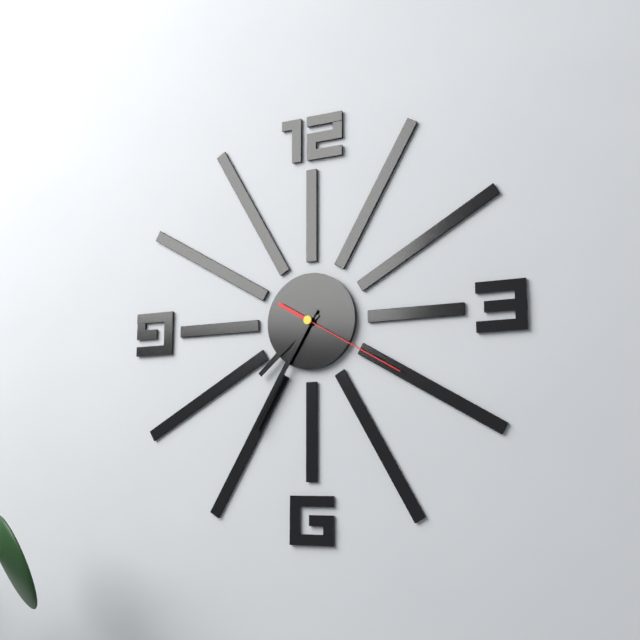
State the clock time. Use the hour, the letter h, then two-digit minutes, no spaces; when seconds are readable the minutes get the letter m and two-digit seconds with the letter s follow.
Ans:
7h35m20s
